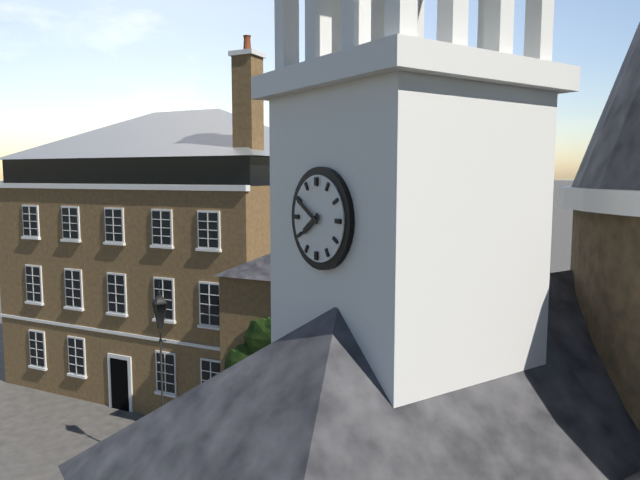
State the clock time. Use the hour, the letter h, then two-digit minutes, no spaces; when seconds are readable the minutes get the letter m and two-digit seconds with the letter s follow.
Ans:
7h50
